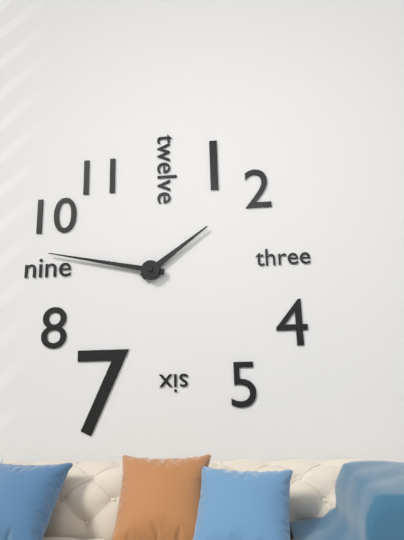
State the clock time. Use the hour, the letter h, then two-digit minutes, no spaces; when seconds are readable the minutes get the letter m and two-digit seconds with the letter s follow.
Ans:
1h47
